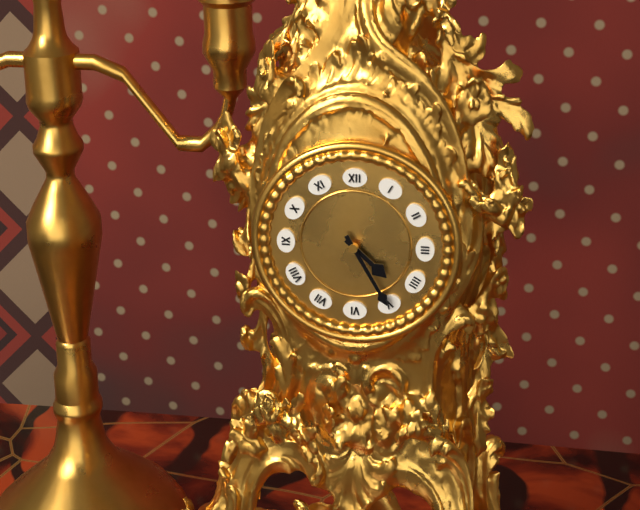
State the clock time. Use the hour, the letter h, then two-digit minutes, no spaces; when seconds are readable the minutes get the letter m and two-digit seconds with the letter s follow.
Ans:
4h25
